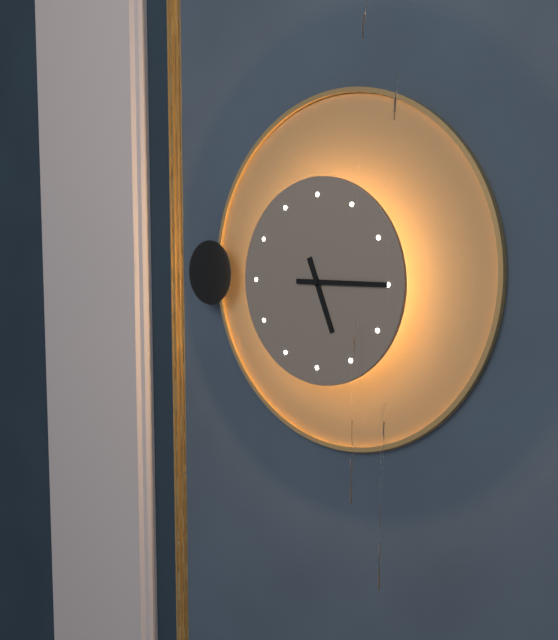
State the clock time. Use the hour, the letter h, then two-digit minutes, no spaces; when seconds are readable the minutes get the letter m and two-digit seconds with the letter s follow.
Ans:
5h15
